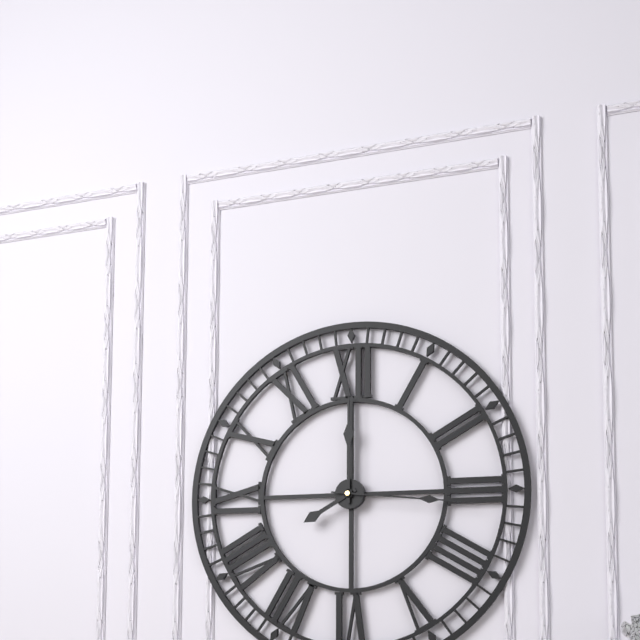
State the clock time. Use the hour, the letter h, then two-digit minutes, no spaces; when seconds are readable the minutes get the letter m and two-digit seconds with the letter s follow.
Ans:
8h00m16s
